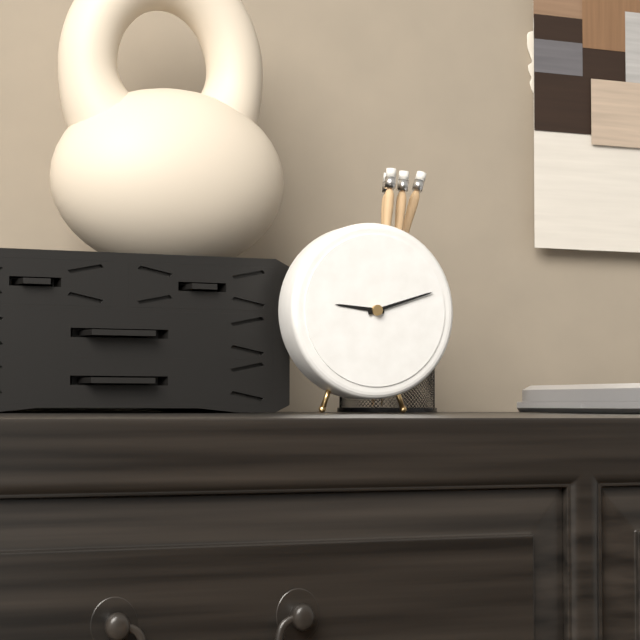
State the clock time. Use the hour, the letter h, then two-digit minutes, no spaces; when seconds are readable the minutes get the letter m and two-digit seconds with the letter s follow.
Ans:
9h12
